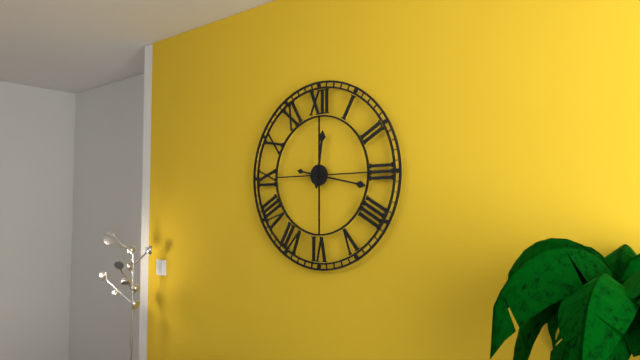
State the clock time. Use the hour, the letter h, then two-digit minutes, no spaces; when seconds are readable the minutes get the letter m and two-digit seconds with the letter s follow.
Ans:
12h17
